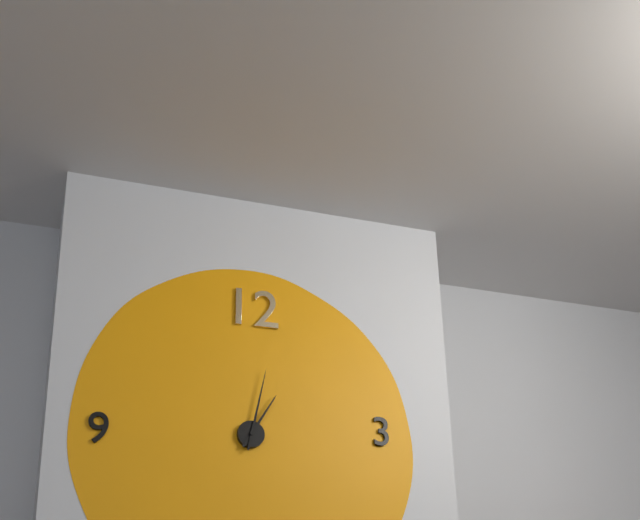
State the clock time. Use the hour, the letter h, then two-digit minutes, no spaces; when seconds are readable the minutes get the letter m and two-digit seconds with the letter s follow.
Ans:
1h02
